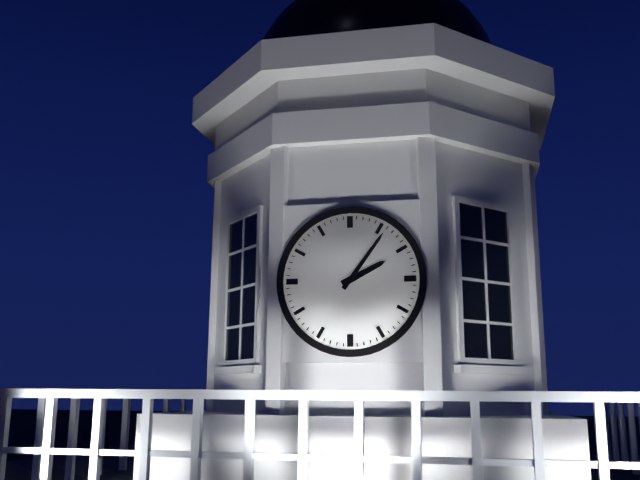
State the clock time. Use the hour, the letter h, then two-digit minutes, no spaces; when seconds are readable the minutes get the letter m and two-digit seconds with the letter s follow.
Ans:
2h06
